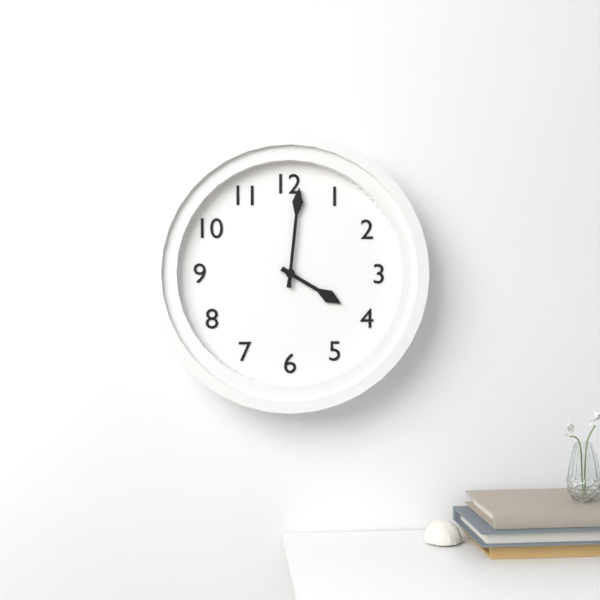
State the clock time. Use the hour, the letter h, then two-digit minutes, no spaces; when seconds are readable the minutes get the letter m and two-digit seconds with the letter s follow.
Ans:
4h01
